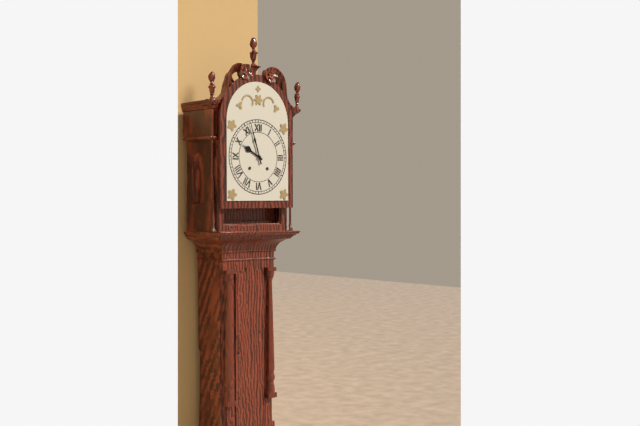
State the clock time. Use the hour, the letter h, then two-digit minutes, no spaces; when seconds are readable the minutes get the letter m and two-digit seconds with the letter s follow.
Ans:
9h57
